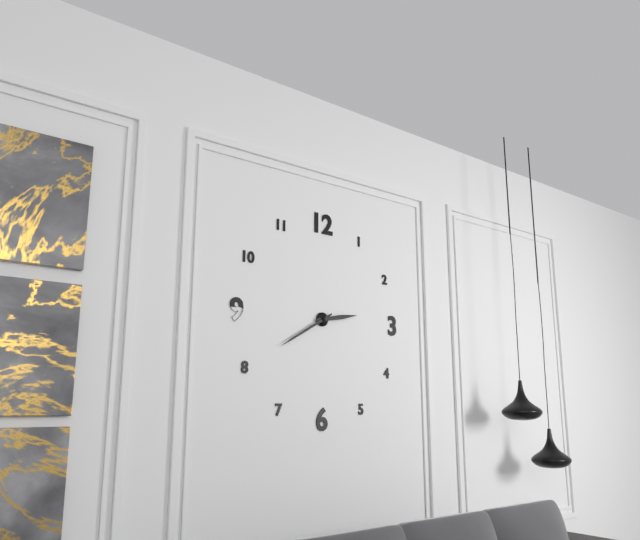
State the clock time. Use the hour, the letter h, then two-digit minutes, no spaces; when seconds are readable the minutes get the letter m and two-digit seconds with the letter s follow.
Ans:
2h40
